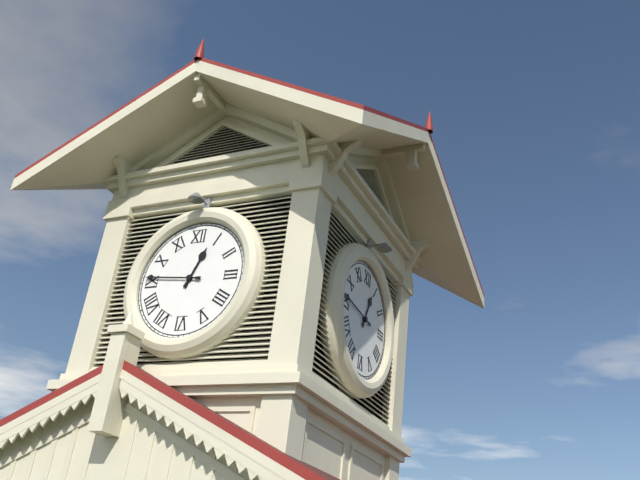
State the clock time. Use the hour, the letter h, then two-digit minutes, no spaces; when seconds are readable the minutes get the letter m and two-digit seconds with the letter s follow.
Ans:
12h46
